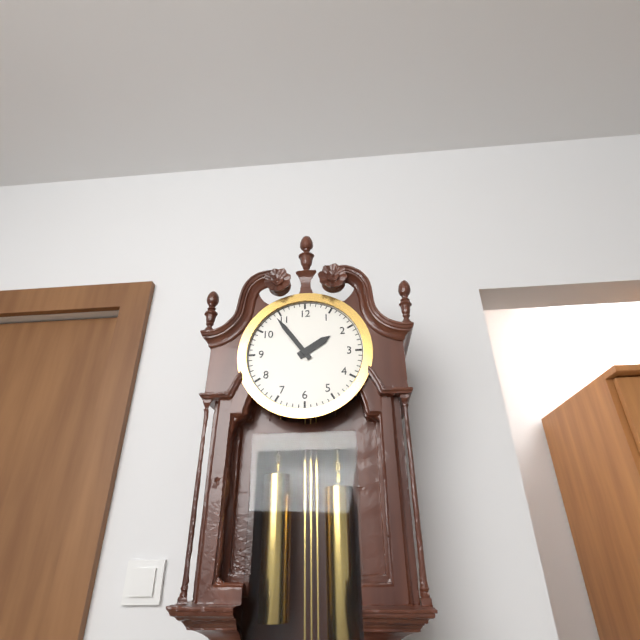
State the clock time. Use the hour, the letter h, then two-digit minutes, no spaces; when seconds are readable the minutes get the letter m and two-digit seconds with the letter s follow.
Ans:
1h54
